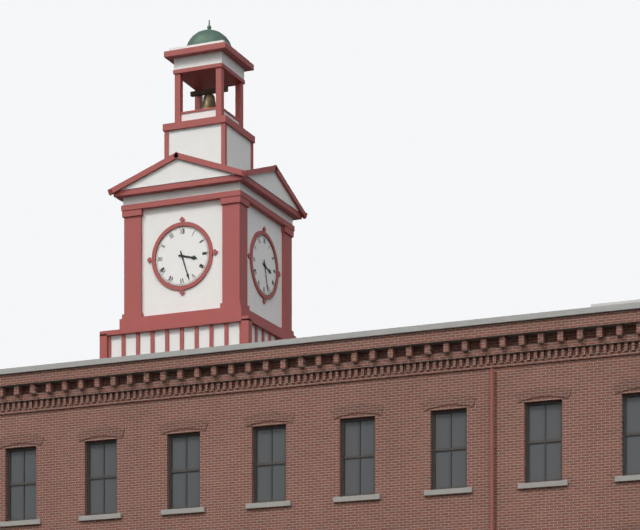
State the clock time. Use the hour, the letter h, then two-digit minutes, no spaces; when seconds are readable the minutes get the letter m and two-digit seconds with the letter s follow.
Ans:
3h27
